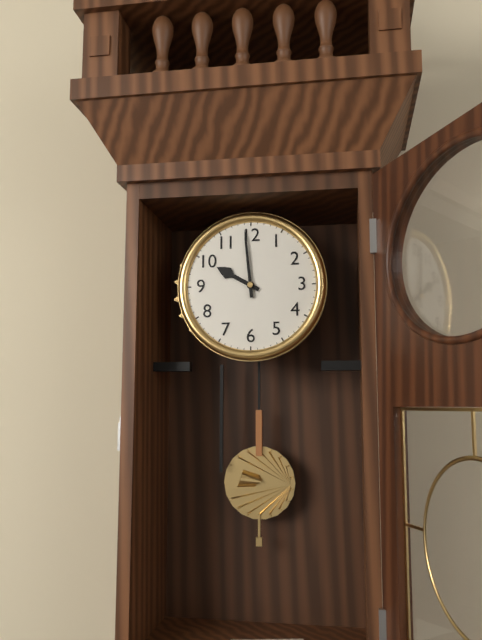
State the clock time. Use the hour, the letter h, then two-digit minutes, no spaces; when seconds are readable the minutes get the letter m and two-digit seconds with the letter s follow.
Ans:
9h59
